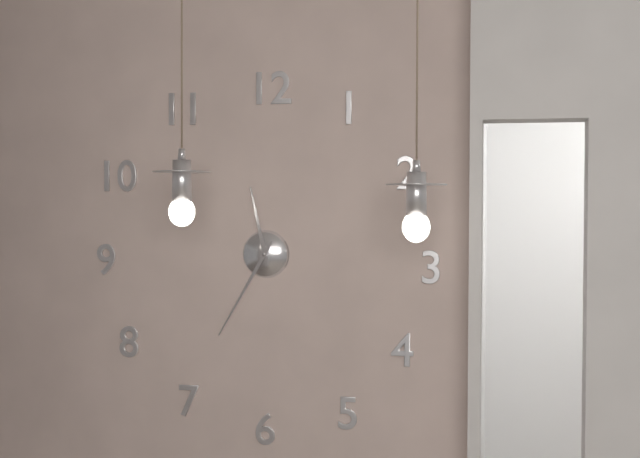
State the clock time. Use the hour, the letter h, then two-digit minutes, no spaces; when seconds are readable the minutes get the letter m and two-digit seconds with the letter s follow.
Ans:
11h35
